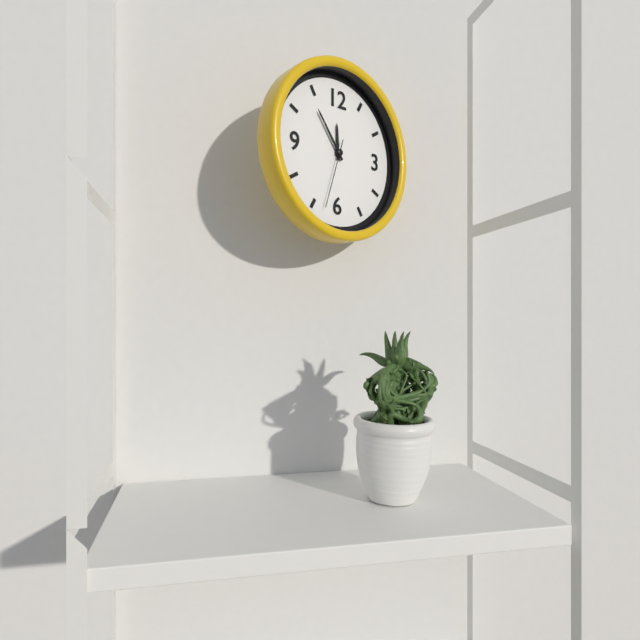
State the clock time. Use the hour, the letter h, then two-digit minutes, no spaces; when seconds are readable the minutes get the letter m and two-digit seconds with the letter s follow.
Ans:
11h54m33s
